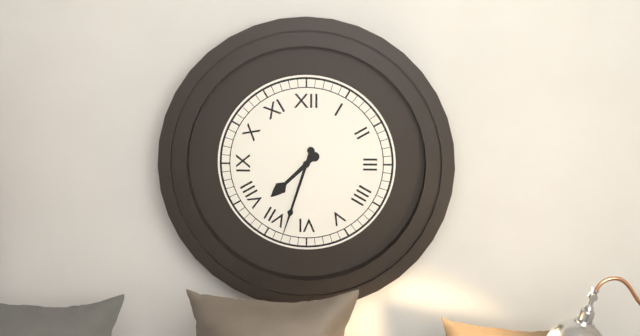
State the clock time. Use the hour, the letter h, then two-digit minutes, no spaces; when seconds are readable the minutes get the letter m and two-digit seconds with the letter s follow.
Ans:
7h33
